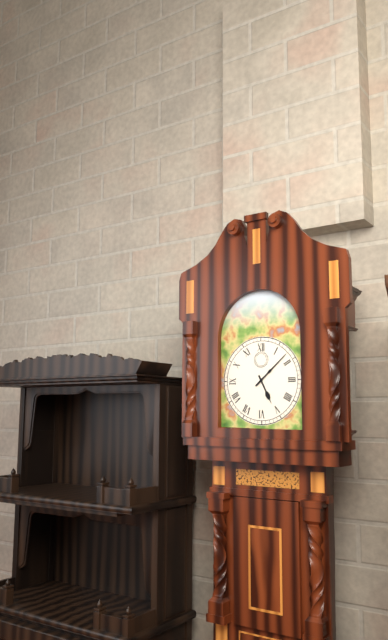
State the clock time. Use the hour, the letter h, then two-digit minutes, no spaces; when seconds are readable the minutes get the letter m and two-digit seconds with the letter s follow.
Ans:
5h08
